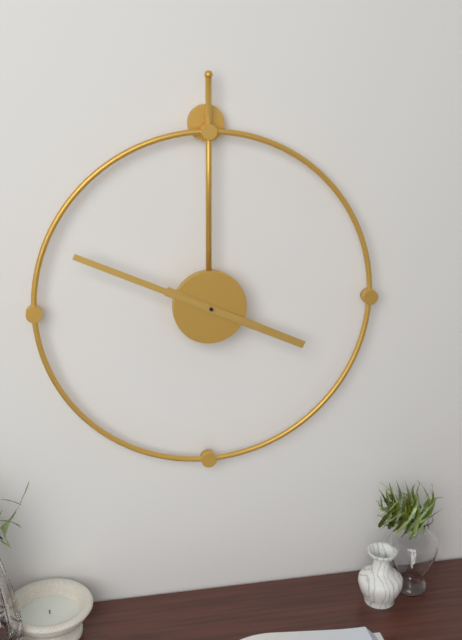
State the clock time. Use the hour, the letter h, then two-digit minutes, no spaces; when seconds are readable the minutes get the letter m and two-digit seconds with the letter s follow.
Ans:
3h49
